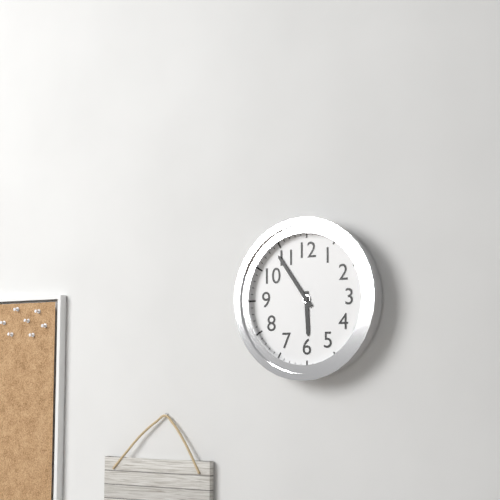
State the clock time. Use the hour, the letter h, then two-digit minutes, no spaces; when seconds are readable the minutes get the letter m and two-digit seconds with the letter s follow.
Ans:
5h54
